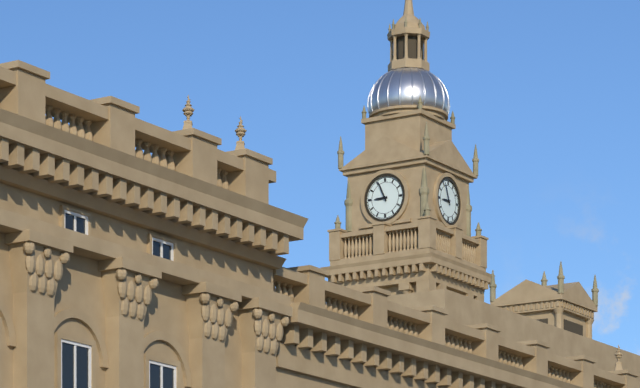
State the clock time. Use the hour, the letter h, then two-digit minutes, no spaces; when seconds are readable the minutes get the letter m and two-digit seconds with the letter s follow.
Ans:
8h56
